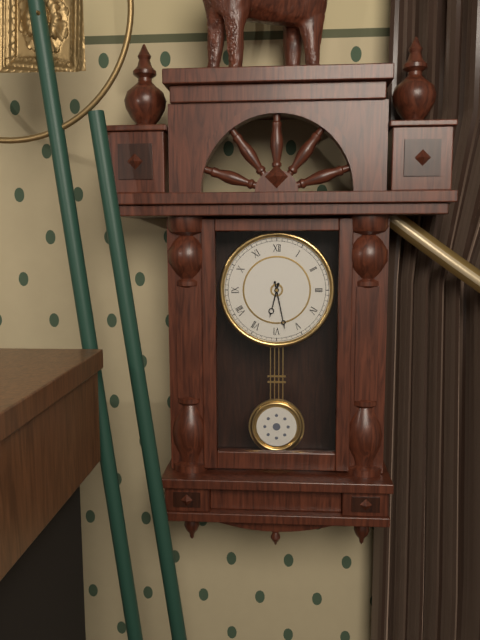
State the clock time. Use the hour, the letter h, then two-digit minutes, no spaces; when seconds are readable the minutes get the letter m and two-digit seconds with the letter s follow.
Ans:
6h28
